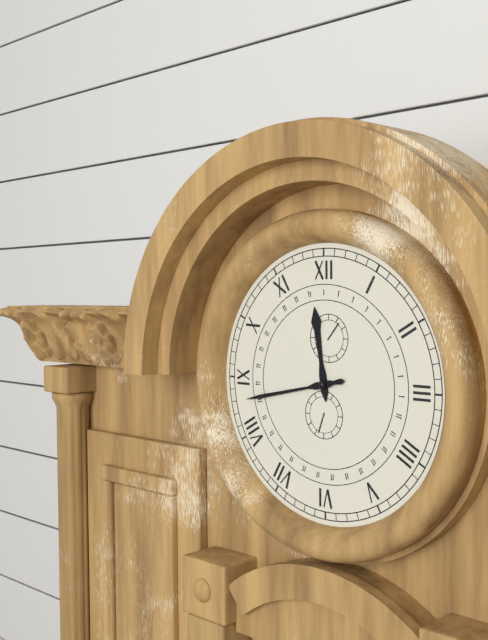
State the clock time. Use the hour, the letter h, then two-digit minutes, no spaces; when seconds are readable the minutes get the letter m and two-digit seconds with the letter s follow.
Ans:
11h43
